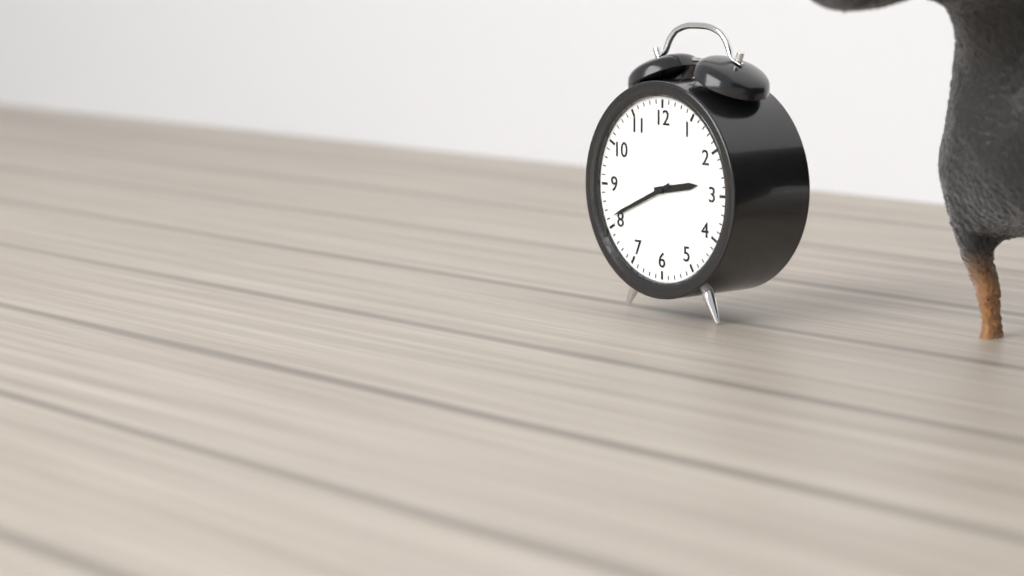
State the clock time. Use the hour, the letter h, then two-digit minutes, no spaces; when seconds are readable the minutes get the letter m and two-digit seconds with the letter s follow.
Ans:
2h41
